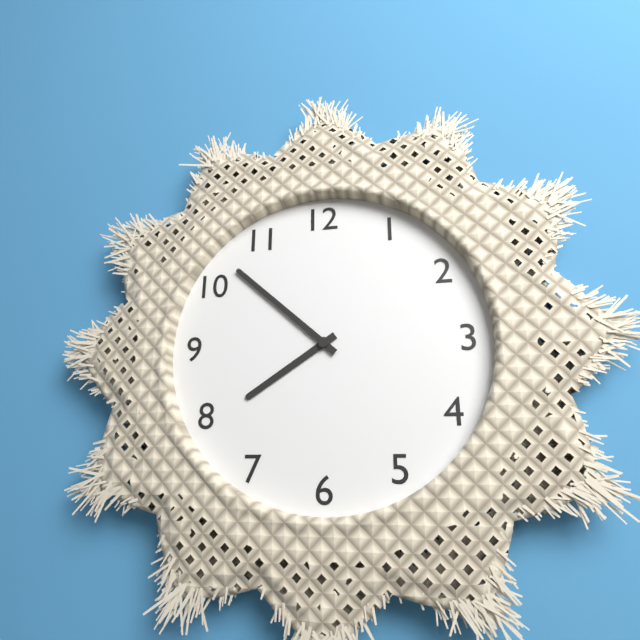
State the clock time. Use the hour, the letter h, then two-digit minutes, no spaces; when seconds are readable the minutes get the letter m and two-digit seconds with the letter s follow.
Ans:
7h52
